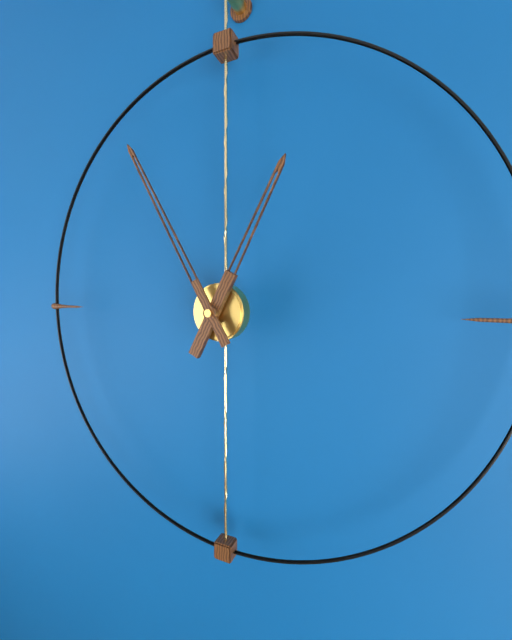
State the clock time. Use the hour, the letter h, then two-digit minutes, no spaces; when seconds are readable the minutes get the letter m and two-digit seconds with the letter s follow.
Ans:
12h55
